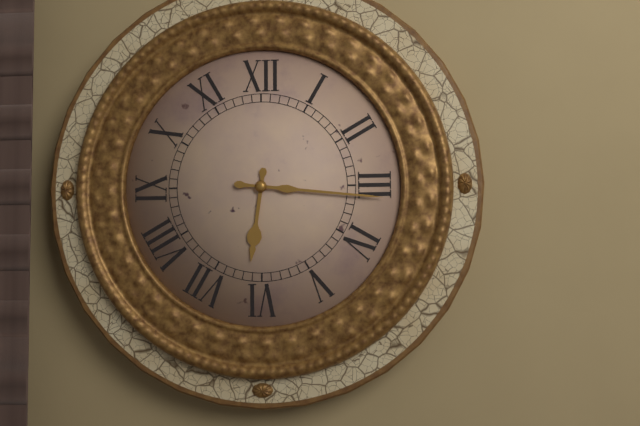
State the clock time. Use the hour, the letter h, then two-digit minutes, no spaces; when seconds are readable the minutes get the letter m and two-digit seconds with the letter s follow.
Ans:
6h16
